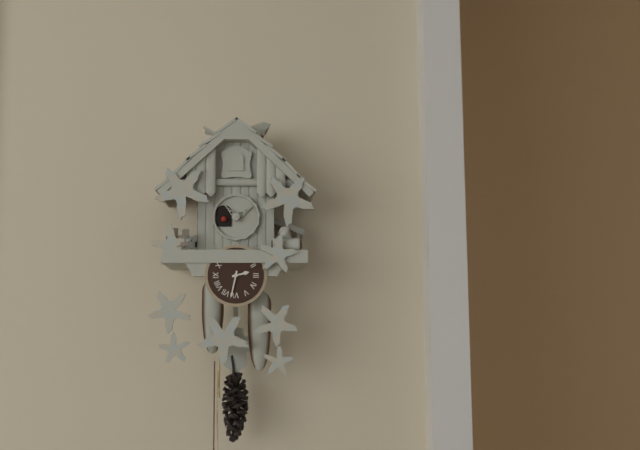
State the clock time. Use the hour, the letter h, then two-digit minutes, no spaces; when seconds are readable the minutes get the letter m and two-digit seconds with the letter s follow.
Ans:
2h32
